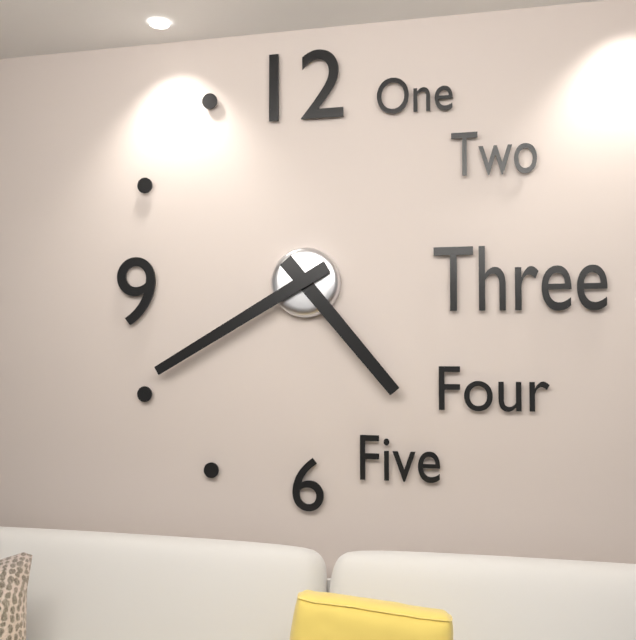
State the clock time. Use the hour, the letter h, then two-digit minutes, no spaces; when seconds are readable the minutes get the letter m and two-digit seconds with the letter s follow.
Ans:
4h40
